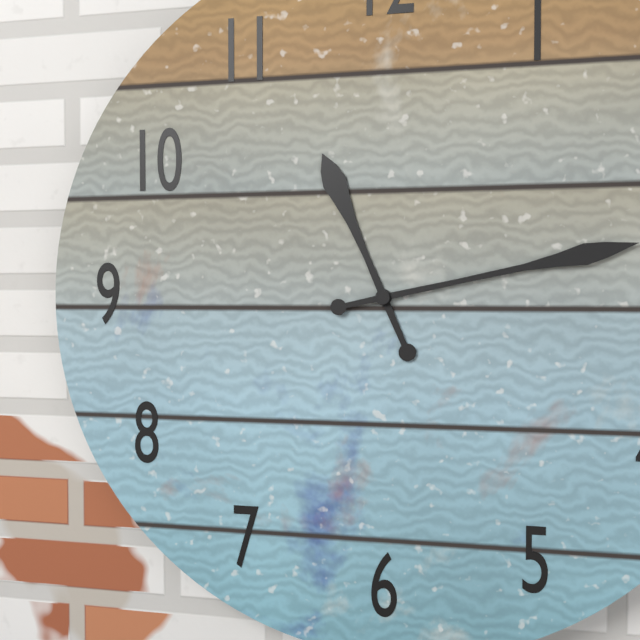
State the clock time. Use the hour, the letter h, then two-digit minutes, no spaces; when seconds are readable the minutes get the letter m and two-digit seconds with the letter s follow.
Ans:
11h13
